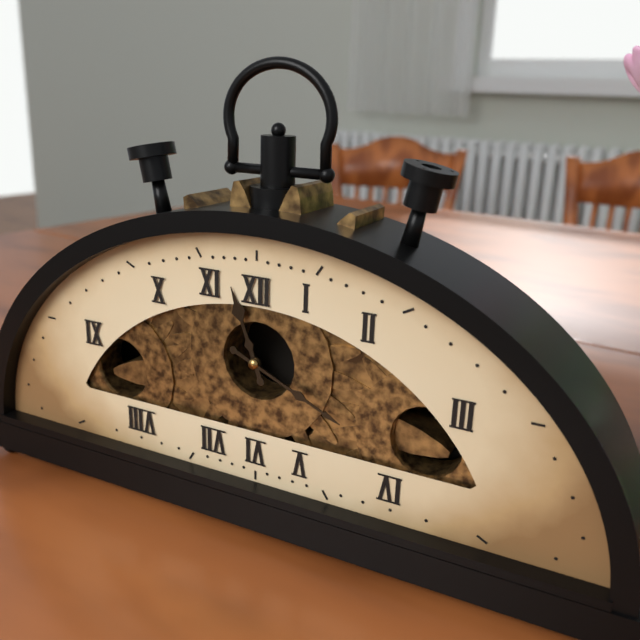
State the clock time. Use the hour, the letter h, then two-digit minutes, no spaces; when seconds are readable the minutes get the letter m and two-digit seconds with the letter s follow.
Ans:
11h19
